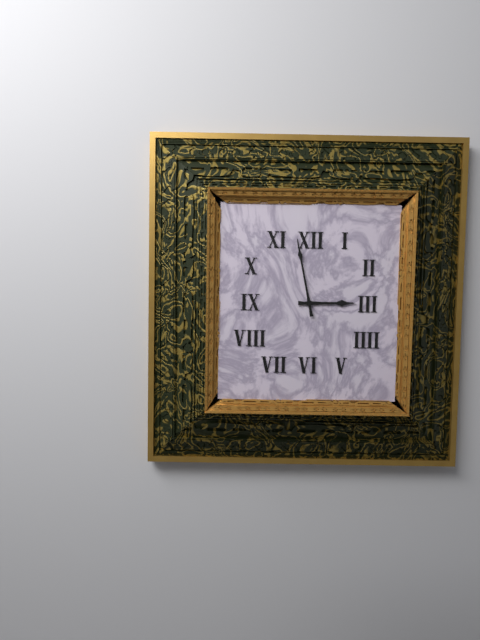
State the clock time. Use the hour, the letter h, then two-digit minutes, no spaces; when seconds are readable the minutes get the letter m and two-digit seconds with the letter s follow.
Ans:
2h58
